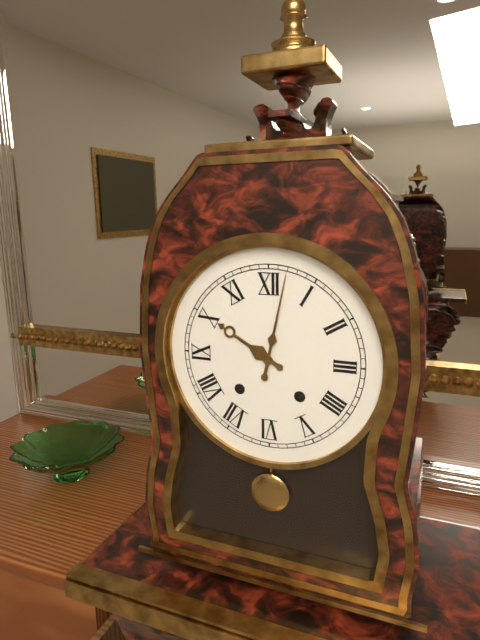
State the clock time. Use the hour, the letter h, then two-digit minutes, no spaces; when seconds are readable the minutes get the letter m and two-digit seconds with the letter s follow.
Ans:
10h02
